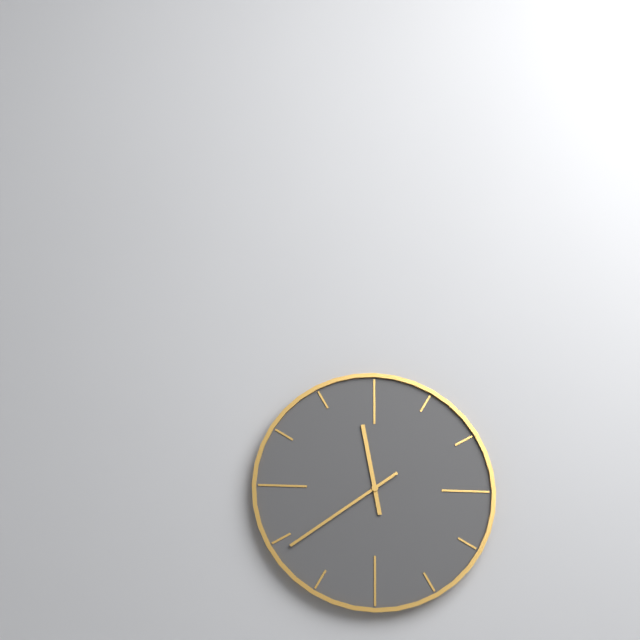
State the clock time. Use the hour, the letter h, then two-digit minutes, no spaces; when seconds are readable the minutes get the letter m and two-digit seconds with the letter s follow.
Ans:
11h39
